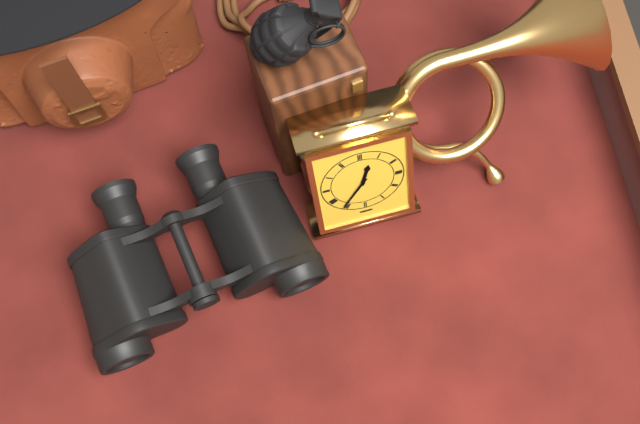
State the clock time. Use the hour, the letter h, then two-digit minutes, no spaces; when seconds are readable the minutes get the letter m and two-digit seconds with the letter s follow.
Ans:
12h36
